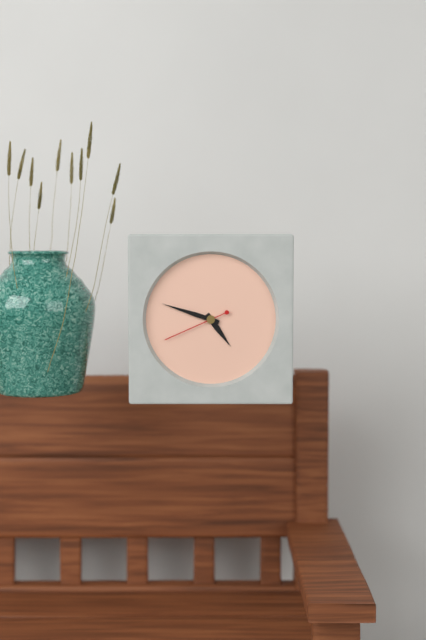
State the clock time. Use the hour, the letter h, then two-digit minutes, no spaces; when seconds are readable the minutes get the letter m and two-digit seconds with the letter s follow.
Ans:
4h48m41s
